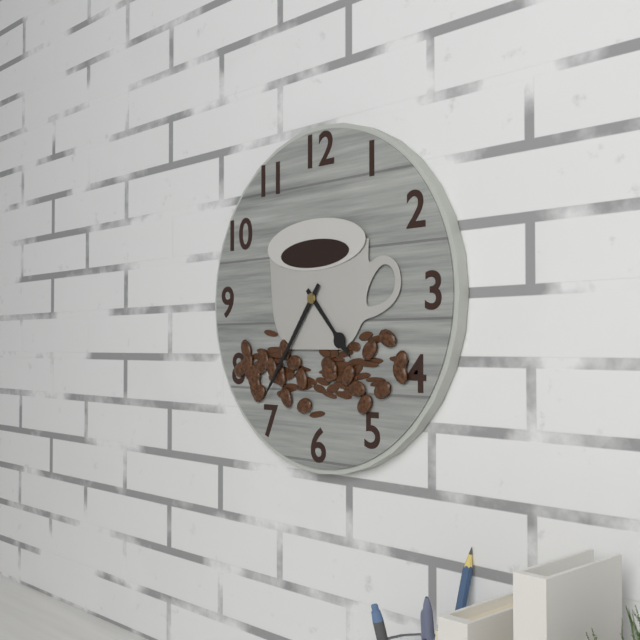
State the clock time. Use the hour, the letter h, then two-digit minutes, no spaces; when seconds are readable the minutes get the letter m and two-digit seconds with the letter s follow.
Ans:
4h36
